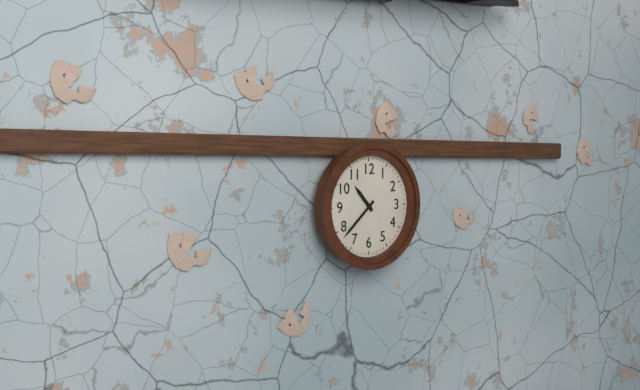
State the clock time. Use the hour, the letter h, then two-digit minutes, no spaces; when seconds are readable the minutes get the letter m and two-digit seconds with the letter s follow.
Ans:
10h38
